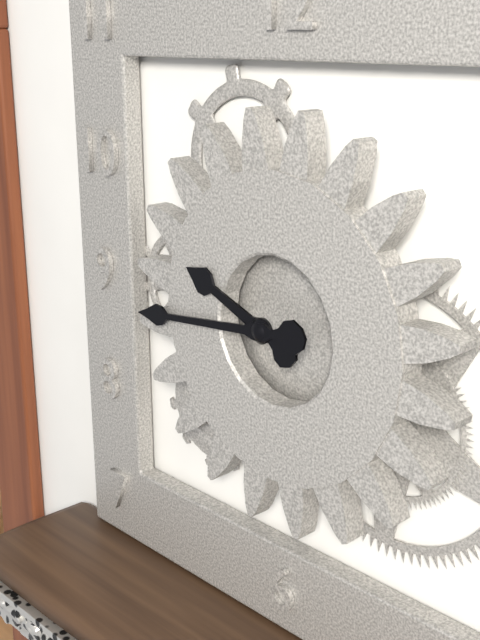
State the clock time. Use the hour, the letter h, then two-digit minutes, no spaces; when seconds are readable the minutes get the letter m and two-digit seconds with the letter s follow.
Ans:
9h44
